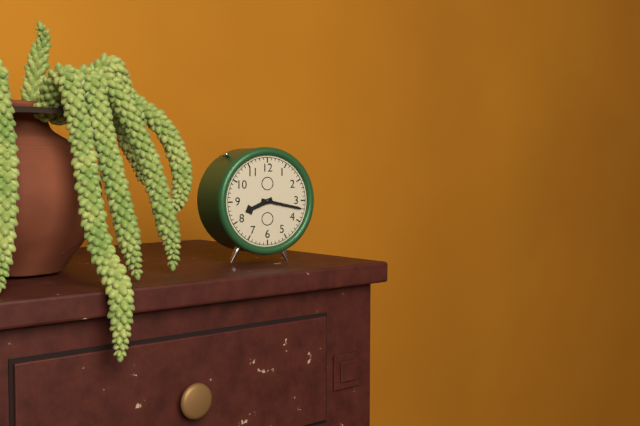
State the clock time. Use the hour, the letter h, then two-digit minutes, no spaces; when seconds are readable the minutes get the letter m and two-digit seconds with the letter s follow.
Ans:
8h17
